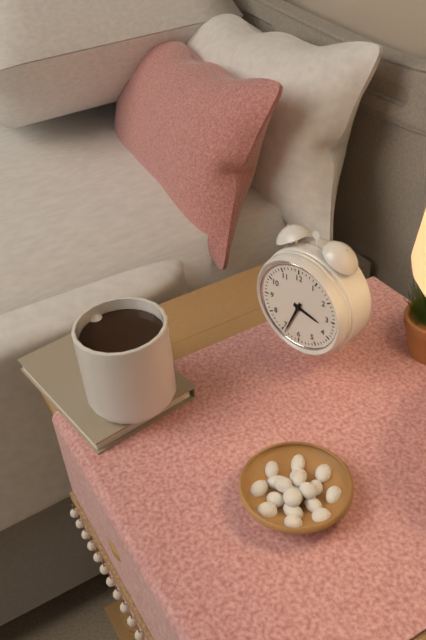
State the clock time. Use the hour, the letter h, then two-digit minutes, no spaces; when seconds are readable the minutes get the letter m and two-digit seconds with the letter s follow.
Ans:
3h34
